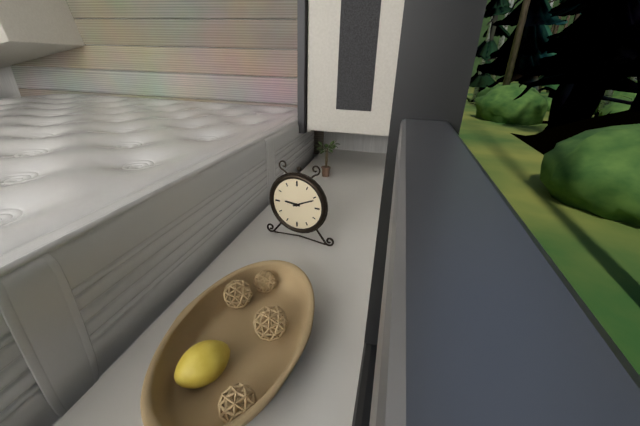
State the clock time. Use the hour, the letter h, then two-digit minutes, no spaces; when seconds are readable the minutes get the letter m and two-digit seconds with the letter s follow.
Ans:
9h11
